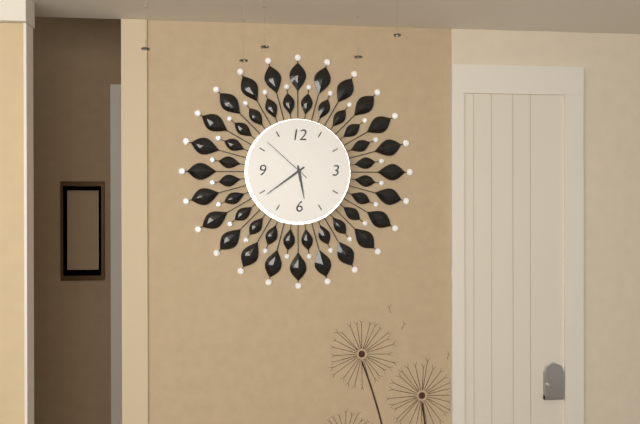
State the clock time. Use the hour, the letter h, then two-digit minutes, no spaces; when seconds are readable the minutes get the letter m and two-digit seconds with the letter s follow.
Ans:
5h39m52s
